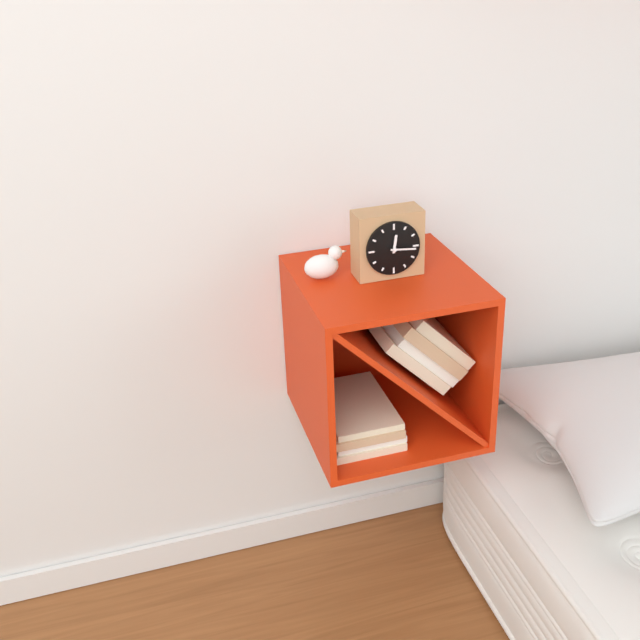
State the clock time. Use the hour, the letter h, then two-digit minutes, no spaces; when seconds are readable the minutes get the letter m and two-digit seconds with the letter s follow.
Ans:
12h16
